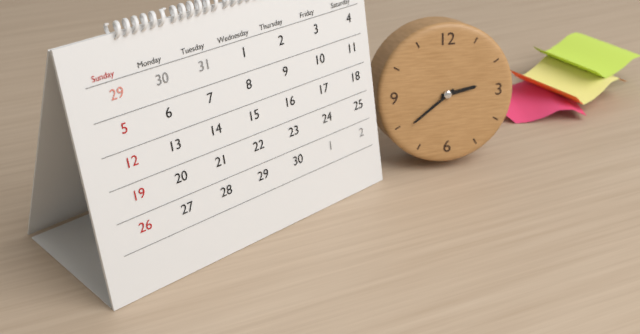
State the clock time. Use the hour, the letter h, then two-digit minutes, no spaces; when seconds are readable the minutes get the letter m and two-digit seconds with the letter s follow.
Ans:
2h39
